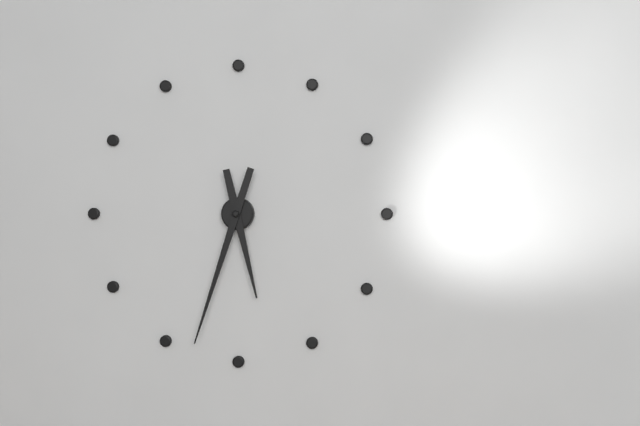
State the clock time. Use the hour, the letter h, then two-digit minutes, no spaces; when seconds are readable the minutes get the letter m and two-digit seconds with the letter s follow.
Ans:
5h33
